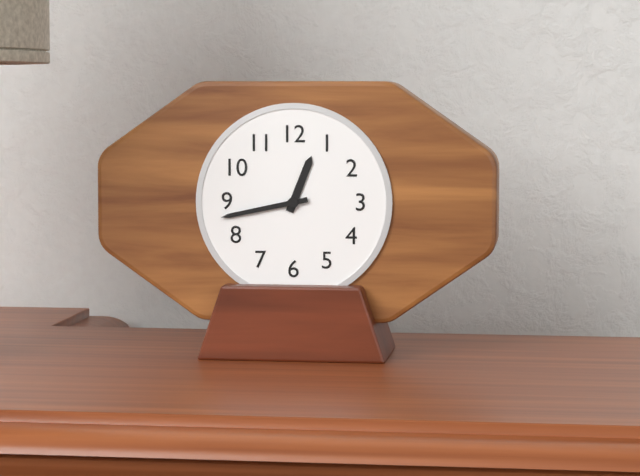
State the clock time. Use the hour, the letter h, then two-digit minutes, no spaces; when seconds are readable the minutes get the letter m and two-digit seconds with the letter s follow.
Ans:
12h43
